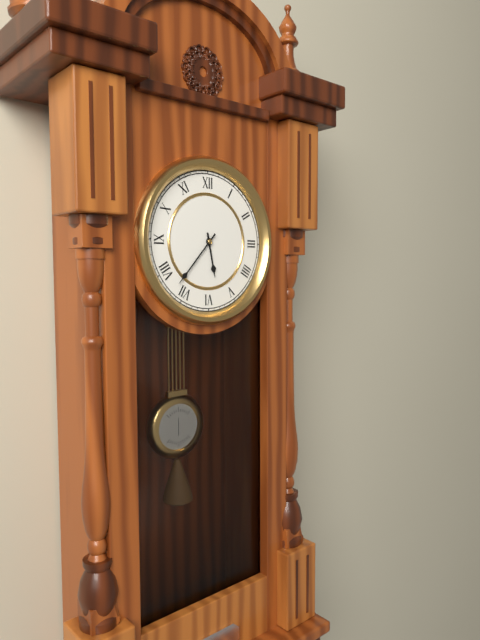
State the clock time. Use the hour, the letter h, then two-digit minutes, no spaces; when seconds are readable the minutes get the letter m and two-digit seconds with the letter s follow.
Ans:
5h37
